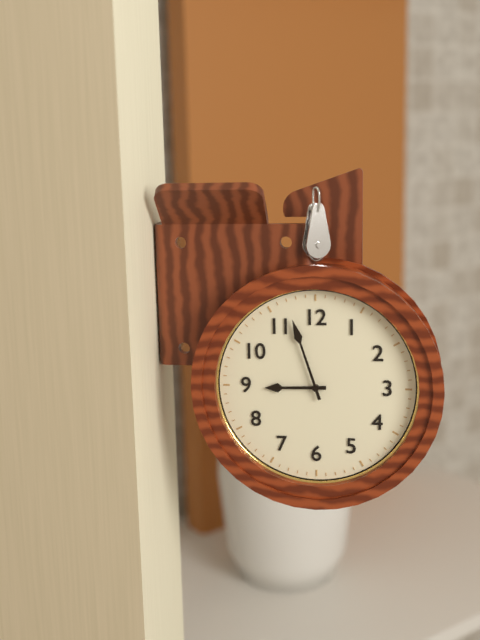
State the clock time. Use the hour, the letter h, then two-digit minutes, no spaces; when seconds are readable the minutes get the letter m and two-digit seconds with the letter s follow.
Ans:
8h57
